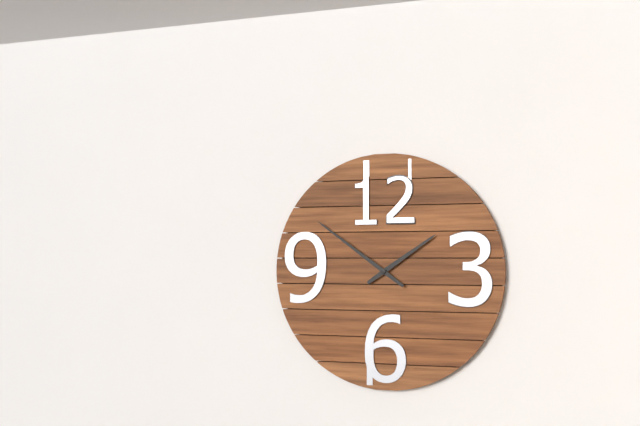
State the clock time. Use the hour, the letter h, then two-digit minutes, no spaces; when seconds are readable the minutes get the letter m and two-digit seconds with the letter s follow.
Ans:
1h51
